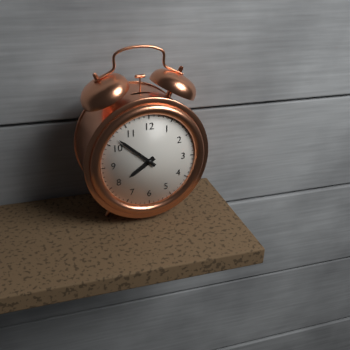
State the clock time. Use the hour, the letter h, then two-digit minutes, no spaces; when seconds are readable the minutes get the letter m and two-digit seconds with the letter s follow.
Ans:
7h52
